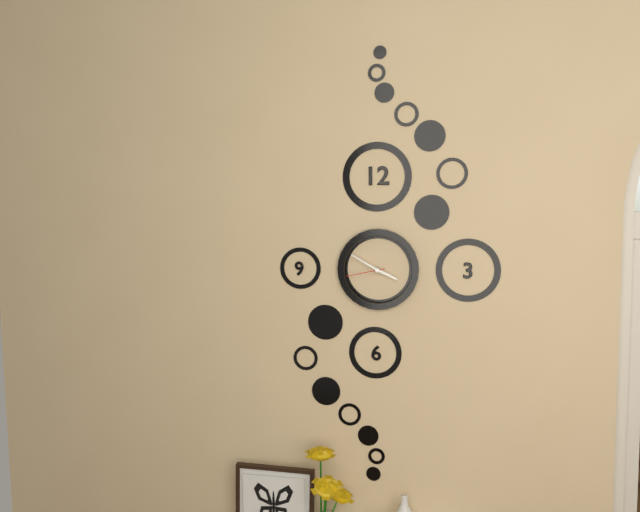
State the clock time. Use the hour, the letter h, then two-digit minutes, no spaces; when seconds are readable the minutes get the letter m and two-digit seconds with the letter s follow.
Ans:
3h50
